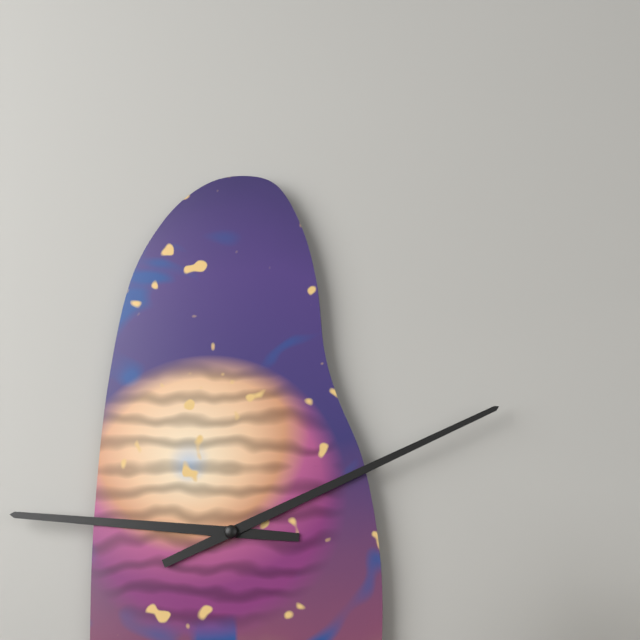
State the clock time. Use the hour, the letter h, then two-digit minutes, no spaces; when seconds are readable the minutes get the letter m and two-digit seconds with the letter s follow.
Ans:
9h11
